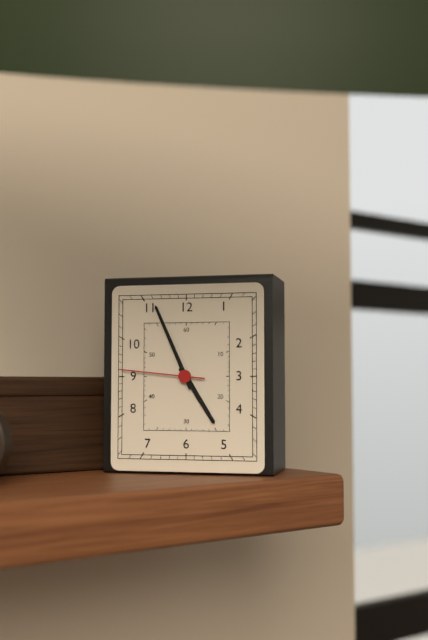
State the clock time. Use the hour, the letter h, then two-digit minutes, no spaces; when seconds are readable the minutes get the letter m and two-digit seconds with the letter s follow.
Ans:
4h56m46s
